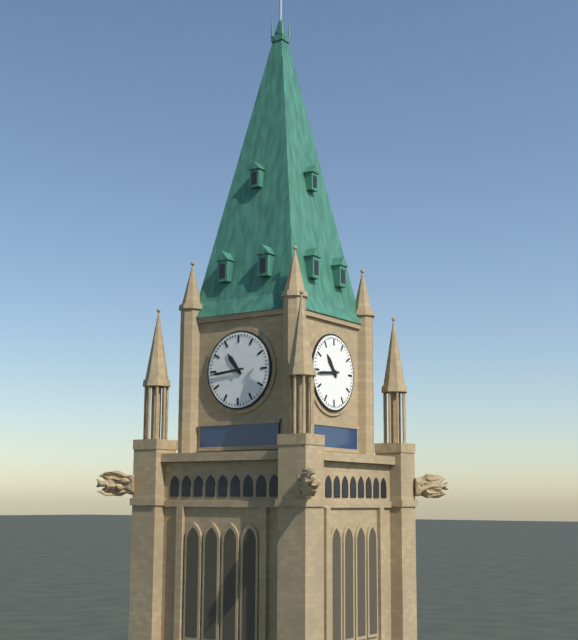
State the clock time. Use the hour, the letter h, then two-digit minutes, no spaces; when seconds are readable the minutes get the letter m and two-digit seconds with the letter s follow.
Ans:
10h44
